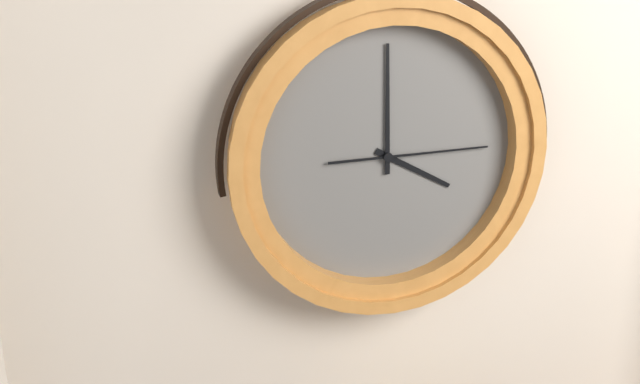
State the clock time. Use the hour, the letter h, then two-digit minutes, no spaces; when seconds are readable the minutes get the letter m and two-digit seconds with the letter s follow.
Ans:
4h00m15s
